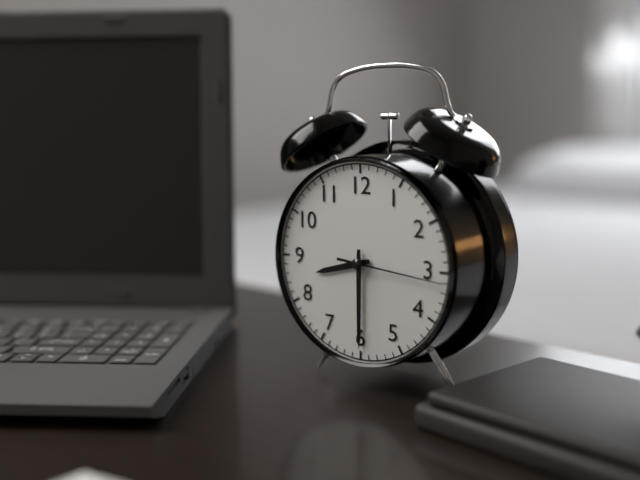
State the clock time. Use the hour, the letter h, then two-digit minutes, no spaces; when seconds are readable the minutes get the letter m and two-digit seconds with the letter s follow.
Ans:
8h30m16s
